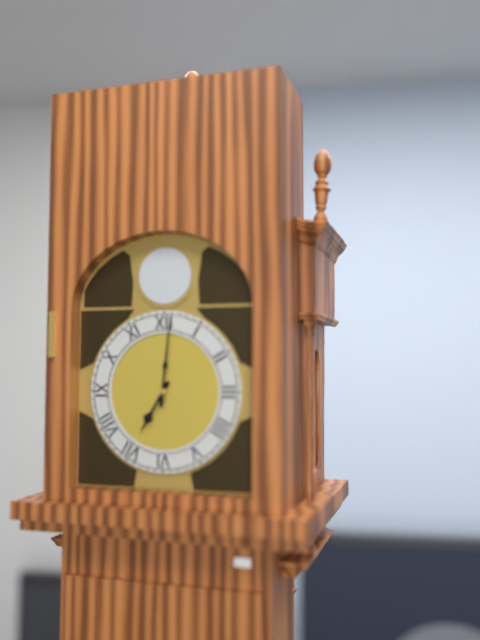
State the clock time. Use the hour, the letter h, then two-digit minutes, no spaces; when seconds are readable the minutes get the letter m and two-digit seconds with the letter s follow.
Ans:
7h01
